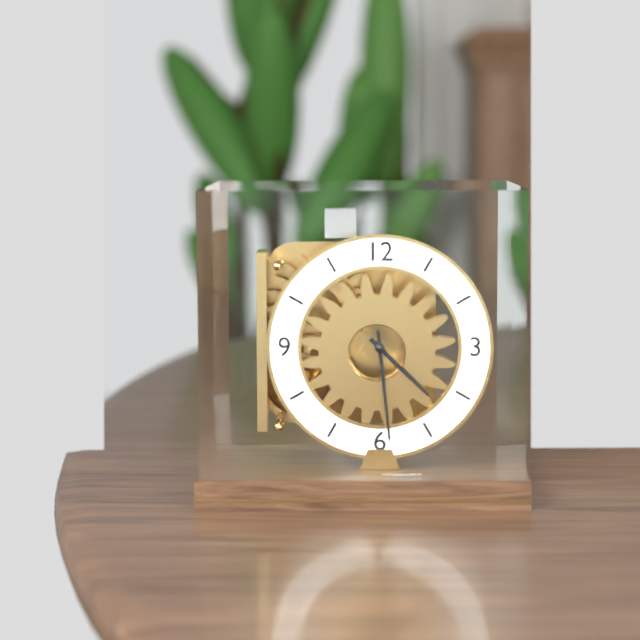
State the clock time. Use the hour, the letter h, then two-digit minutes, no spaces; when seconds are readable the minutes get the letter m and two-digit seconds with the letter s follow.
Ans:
4h29
